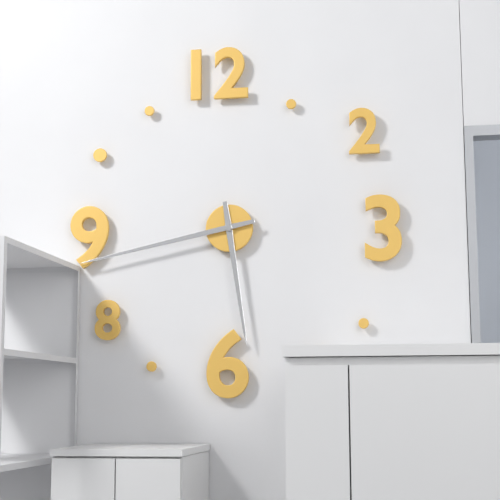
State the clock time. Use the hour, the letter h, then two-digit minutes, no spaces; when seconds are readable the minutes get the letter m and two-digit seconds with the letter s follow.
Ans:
5h43
